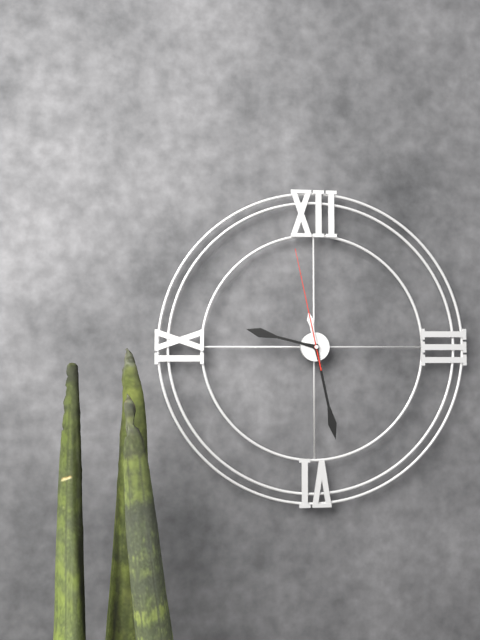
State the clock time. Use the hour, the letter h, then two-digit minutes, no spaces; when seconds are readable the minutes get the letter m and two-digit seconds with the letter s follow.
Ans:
9h28m58s
